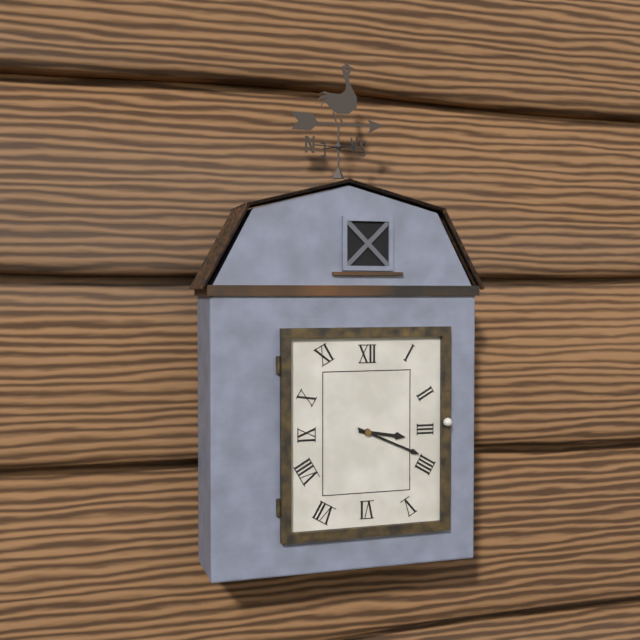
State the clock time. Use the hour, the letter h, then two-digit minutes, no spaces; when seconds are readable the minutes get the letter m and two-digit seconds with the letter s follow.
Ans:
3h19
